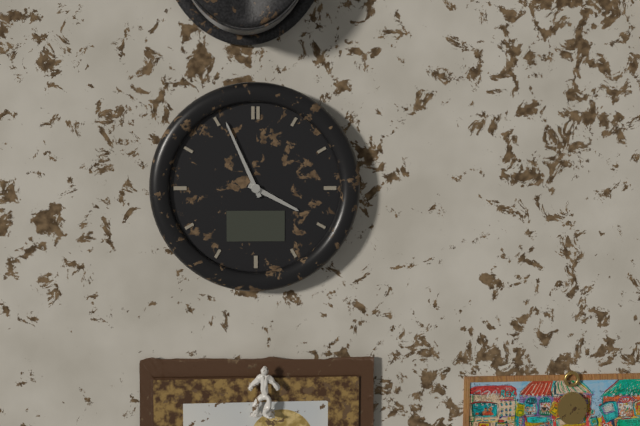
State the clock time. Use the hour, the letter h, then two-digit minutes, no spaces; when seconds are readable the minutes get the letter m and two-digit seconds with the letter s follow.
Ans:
3h56
